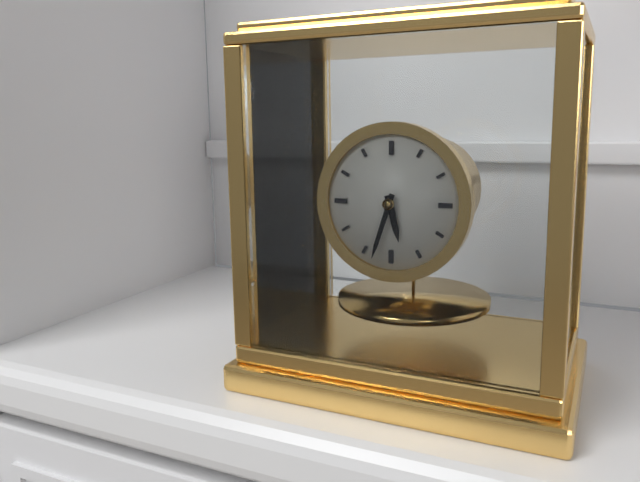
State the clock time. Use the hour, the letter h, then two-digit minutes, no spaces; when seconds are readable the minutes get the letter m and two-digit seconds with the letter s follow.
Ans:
5h33
